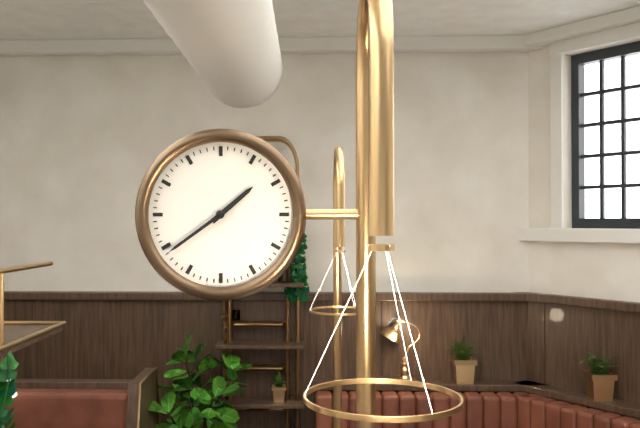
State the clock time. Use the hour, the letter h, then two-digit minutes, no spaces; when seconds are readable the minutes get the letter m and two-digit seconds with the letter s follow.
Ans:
1h39
